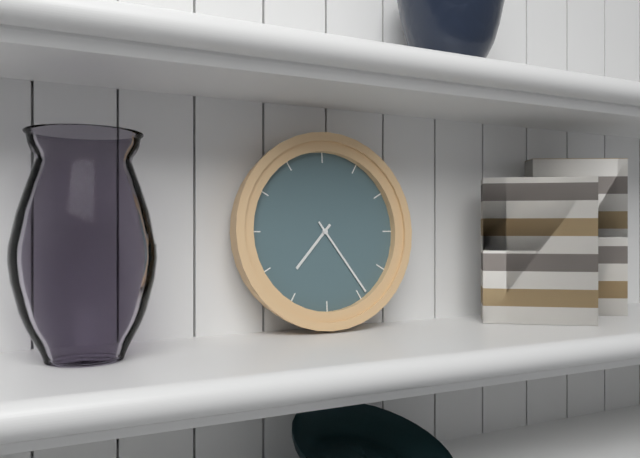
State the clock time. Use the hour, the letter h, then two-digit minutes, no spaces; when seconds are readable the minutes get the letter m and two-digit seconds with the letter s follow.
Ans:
7h24
